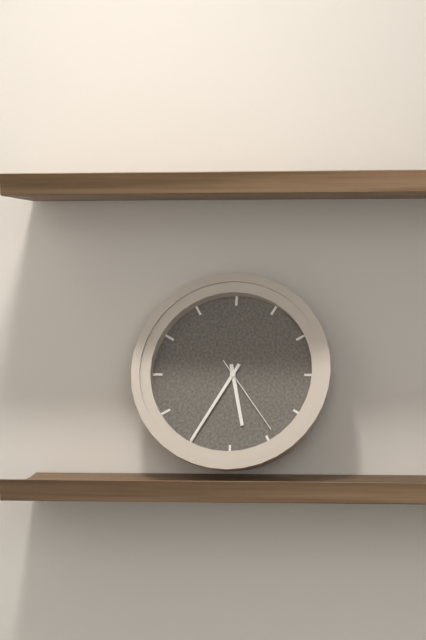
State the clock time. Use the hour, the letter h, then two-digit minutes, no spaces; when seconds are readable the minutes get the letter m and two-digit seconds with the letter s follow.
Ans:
5h35m24s
